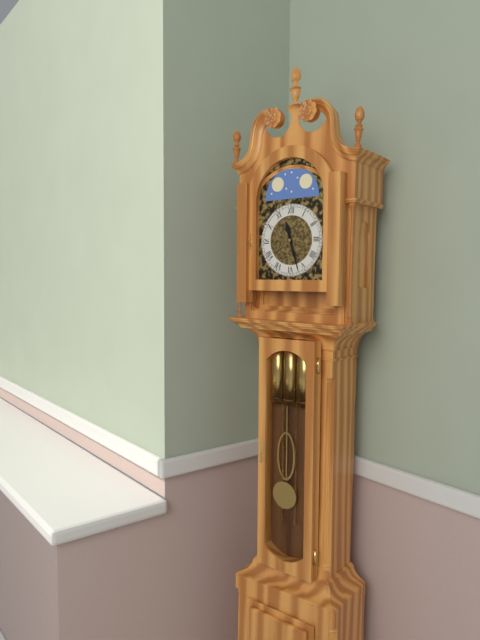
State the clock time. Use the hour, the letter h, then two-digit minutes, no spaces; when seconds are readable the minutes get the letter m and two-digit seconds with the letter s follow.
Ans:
11h27
